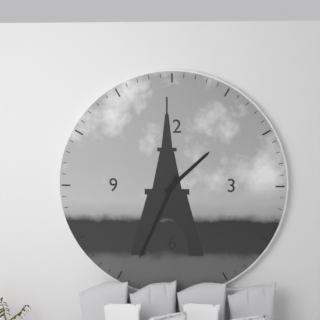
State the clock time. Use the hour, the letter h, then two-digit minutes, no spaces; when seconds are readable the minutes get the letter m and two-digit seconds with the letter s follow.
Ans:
1h34
